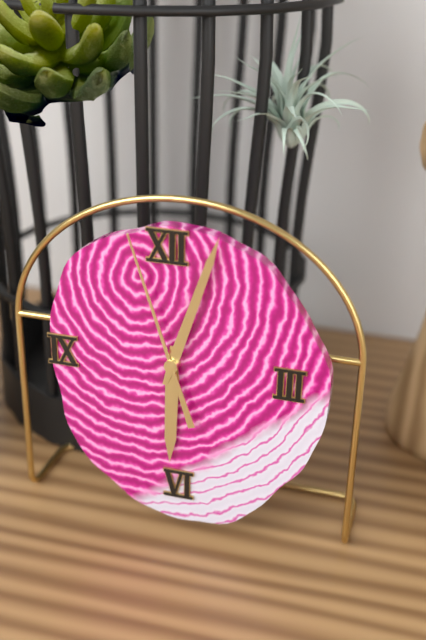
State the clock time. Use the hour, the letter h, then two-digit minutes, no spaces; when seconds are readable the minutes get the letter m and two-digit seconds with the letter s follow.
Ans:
6h03m57s
